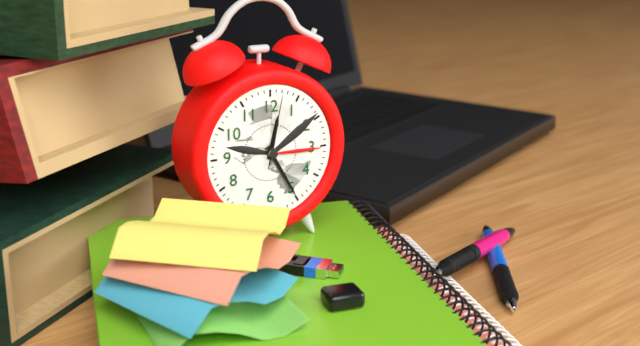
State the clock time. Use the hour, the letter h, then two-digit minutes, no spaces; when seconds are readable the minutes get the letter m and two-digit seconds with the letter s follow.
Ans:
12h25m02s
